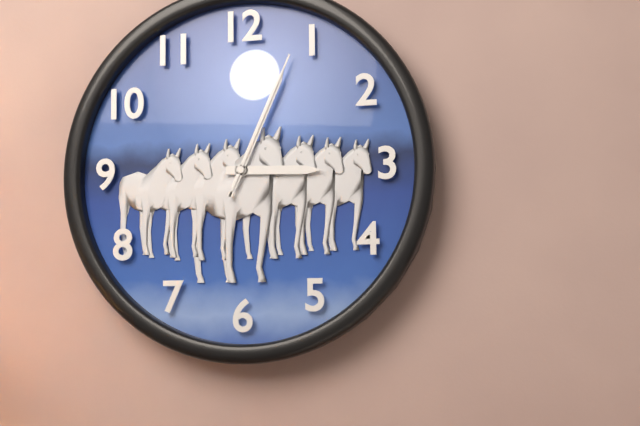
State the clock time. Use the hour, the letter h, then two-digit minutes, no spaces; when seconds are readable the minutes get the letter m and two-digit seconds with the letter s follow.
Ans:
3h04m04s
